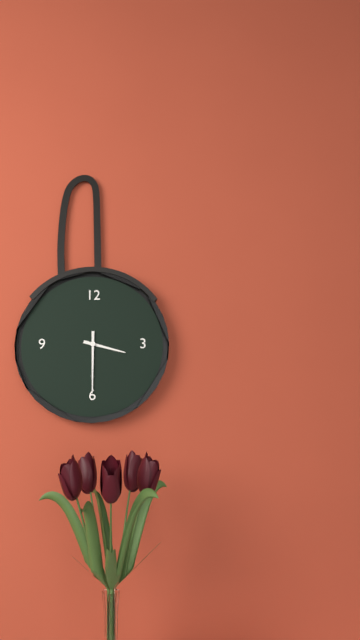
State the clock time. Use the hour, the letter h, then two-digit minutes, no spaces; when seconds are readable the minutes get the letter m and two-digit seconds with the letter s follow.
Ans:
3h30
